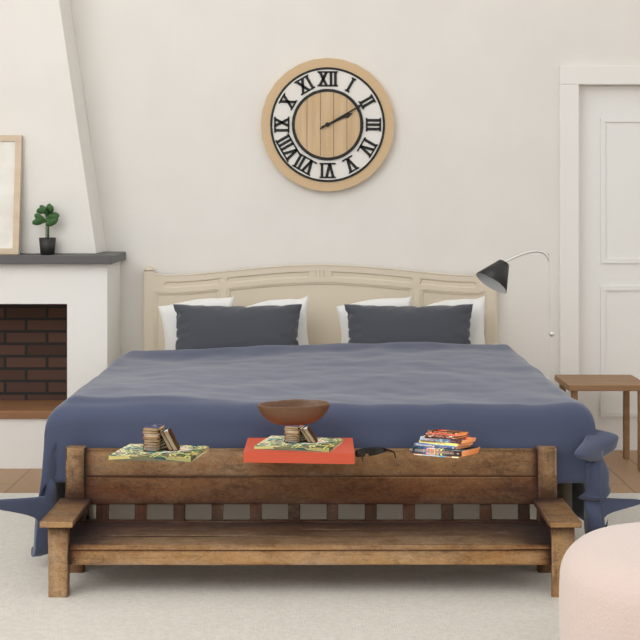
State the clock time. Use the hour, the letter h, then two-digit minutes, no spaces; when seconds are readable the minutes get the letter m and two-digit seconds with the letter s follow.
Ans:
2h10
